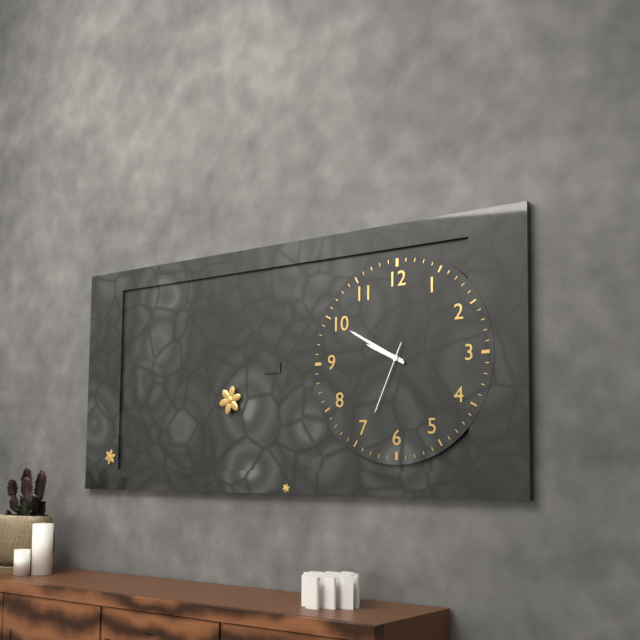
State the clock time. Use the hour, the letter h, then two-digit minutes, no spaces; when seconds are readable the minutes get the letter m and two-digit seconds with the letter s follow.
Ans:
9h50m34s
